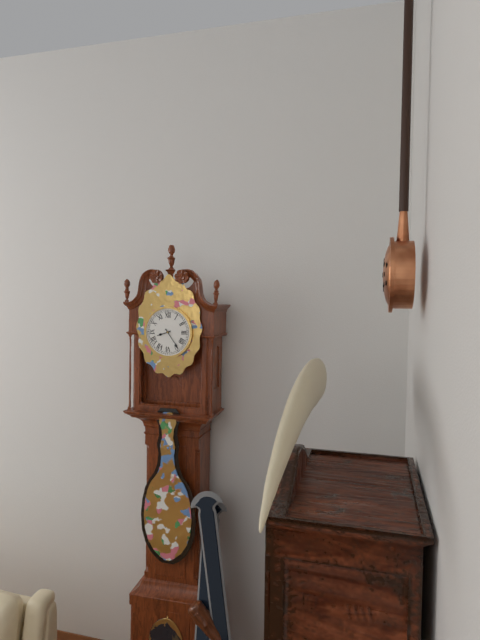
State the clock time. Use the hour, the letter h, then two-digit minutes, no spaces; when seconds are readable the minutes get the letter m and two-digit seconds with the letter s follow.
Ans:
8h24
